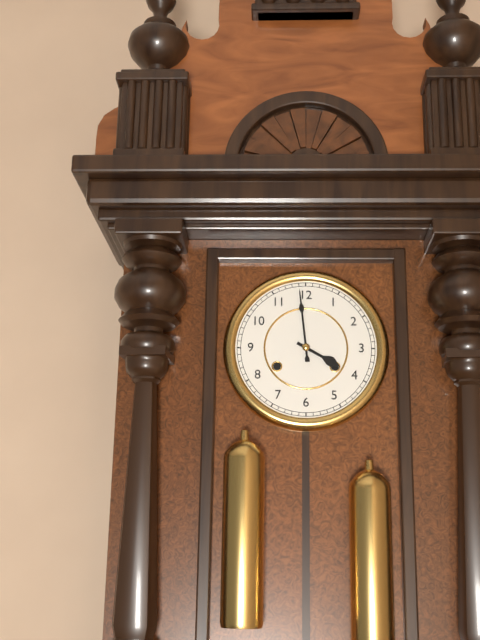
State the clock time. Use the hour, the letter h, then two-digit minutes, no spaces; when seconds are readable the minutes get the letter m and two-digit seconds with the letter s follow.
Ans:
3h59
